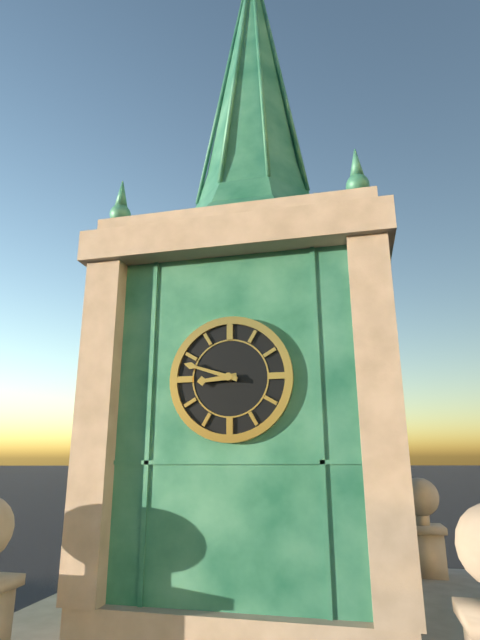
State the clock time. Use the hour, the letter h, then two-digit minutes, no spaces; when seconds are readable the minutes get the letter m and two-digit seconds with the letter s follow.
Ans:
8h48
